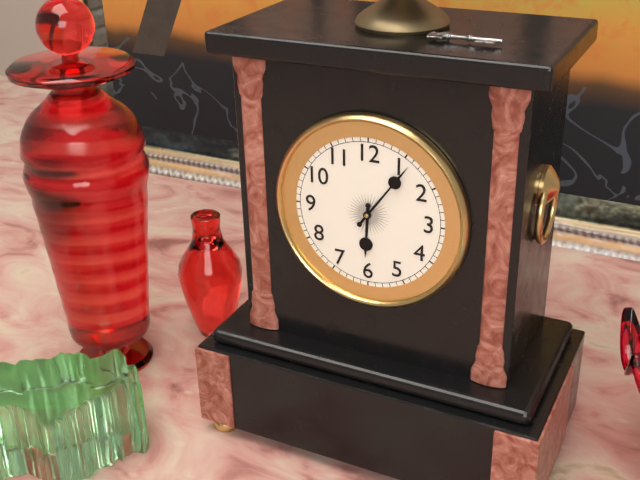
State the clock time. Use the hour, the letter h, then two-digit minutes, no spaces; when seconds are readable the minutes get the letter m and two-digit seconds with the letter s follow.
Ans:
6h06
